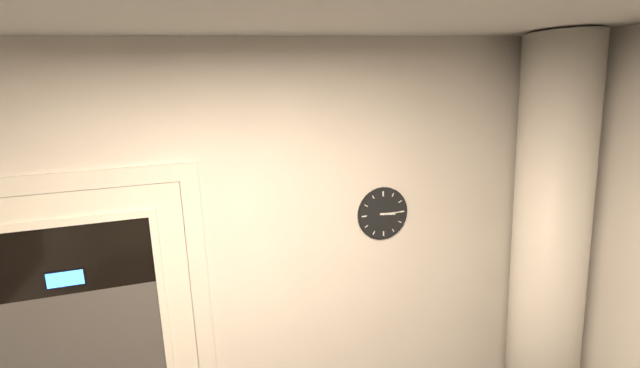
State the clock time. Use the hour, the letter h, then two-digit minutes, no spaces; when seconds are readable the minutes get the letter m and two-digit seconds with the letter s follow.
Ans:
3h15
